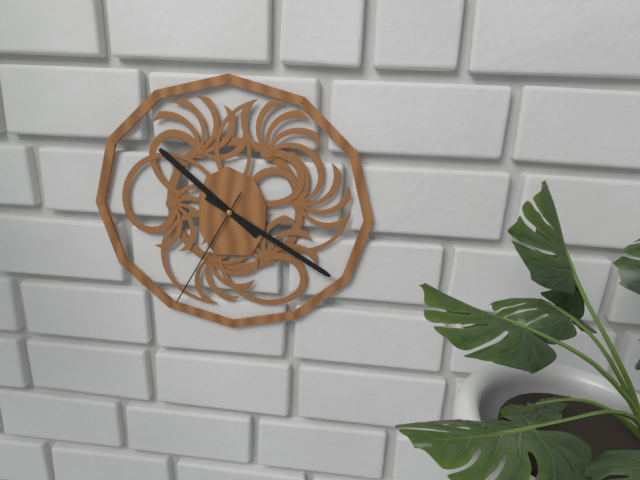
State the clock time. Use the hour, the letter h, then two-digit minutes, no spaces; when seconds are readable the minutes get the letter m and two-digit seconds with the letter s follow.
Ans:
10h20m35s
